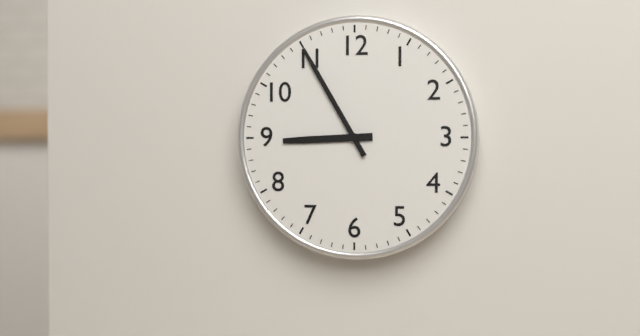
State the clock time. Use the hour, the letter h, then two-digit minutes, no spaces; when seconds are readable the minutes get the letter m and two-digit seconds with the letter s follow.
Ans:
8h55
